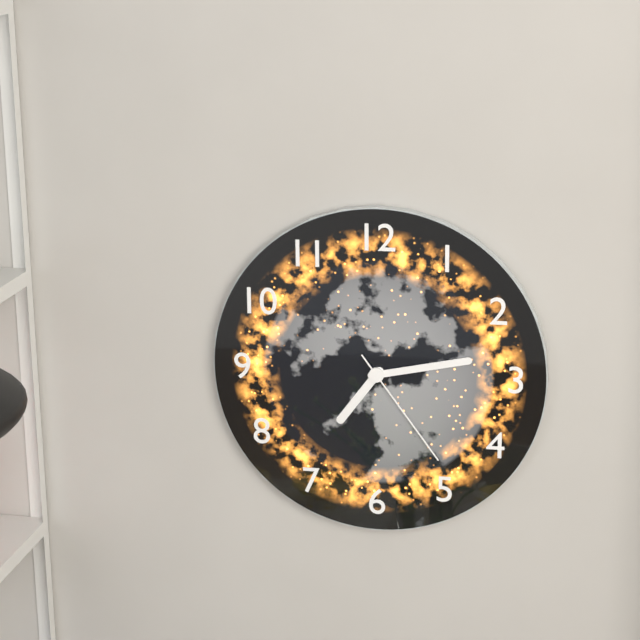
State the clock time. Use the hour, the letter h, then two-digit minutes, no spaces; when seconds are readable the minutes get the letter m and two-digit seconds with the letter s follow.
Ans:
7h13m24s
